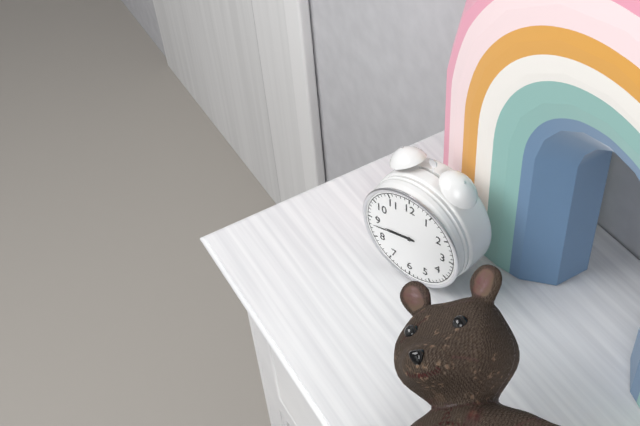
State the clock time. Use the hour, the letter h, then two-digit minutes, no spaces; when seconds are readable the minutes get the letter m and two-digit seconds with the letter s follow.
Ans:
8h43
